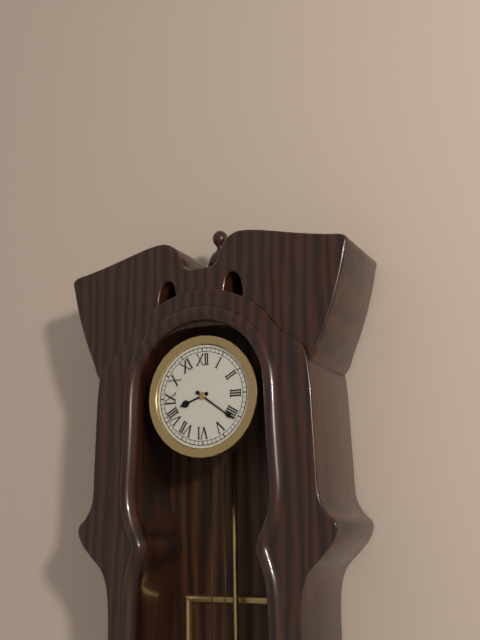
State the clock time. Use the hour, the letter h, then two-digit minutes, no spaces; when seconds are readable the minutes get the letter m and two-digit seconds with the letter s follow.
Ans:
8h21
